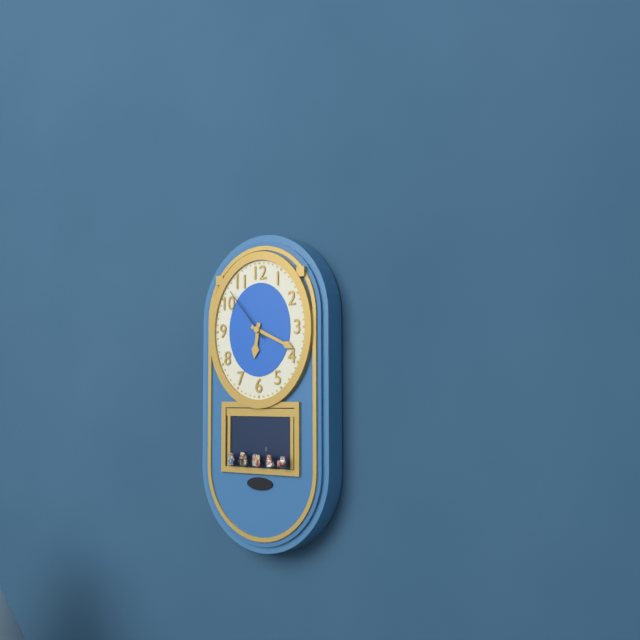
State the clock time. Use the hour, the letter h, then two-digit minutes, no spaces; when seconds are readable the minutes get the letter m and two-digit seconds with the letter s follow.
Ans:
6h19m53s
